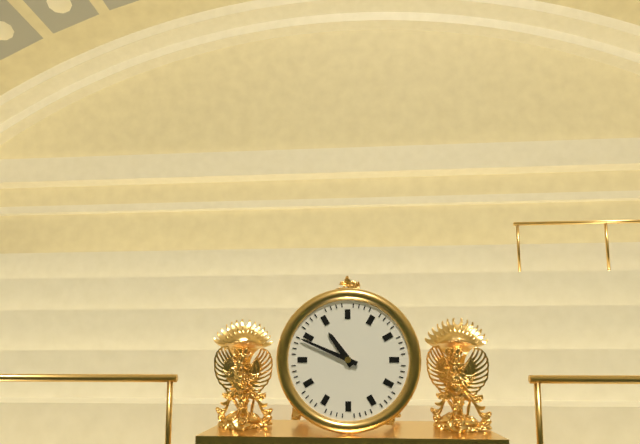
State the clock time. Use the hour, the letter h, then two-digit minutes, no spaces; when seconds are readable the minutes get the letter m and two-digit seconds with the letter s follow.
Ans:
10h49
